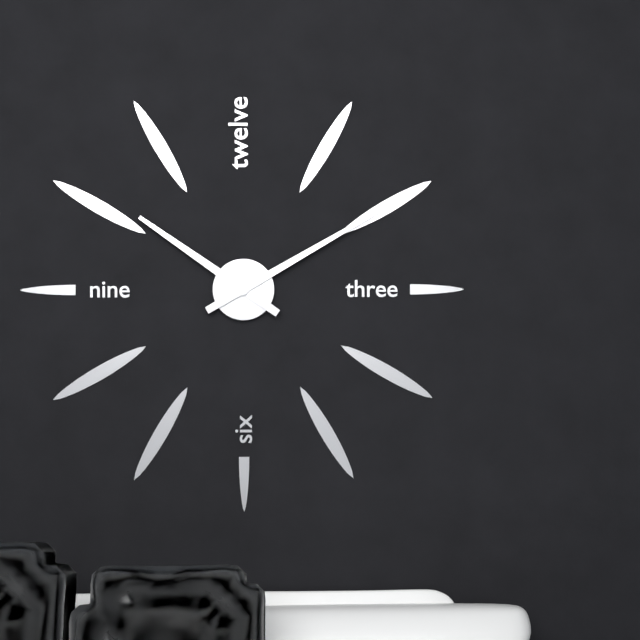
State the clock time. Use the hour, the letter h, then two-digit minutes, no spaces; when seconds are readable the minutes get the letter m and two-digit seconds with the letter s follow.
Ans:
10h10
